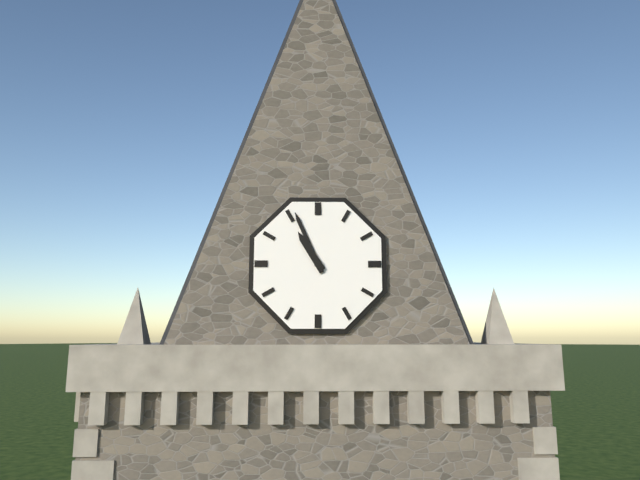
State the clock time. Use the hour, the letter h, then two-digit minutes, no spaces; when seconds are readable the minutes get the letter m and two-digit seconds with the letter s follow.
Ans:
10h56
